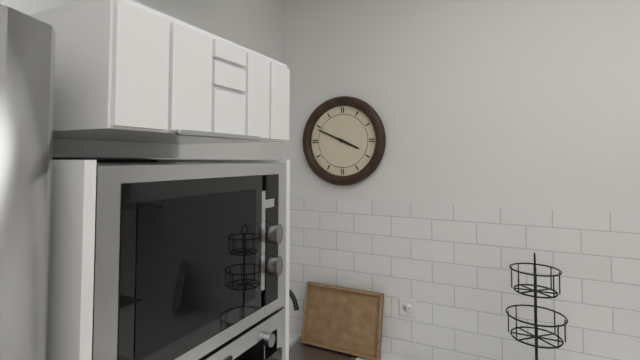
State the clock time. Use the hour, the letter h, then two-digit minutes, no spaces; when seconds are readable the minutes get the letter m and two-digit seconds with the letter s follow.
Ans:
3h49
